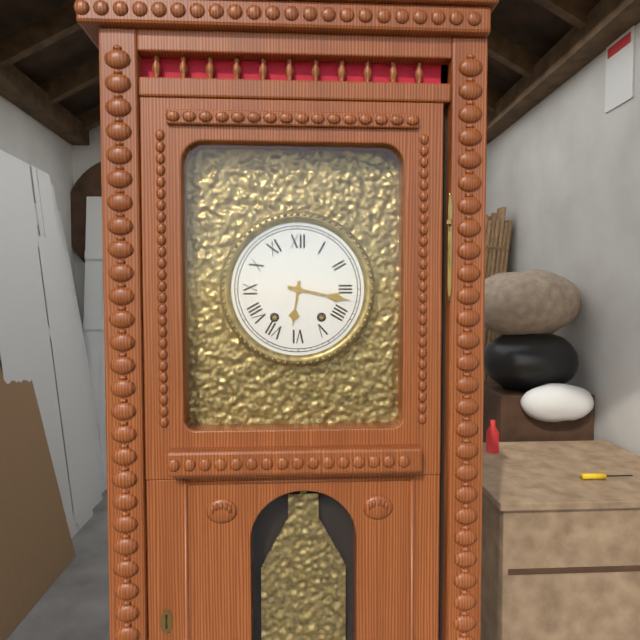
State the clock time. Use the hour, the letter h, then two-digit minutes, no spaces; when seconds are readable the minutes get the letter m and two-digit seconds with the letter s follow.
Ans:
6h17
